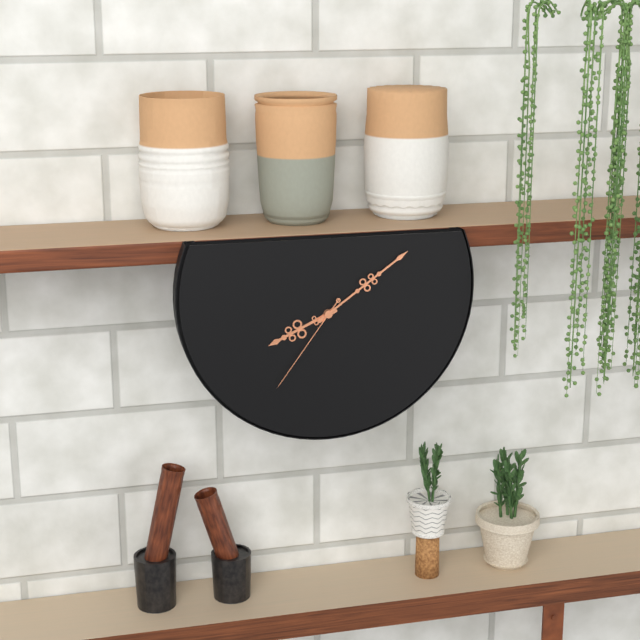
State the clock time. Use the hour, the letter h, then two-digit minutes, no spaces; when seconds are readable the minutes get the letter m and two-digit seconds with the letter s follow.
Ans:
8h09m36s
